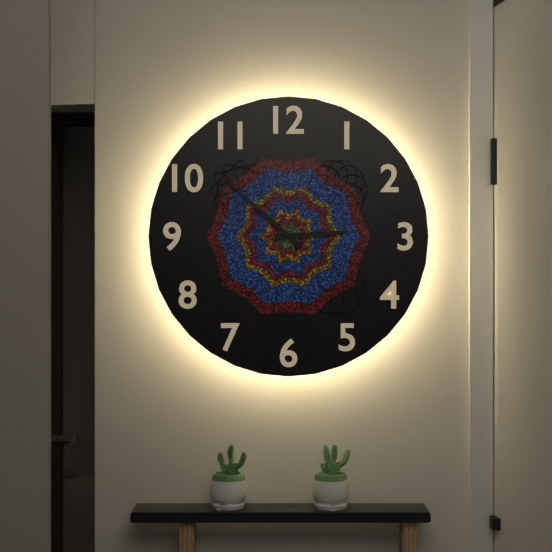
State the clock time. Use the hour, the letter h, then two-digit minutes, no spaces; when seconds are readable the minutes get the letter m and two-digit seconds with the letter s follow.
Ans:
2h52
